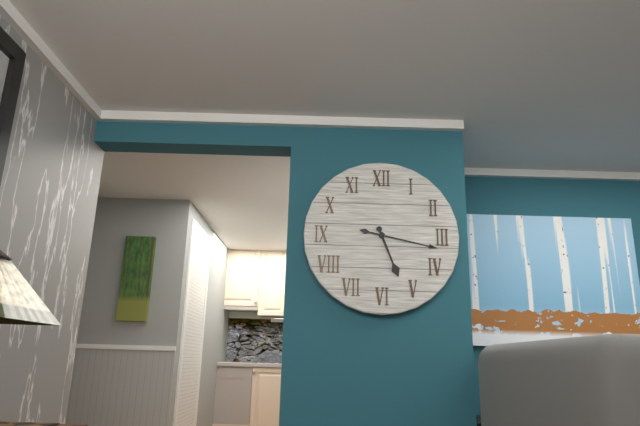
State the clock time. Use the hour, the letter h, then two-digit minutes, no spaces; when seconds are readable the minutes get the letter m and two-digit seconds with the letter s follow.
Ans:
5h17
